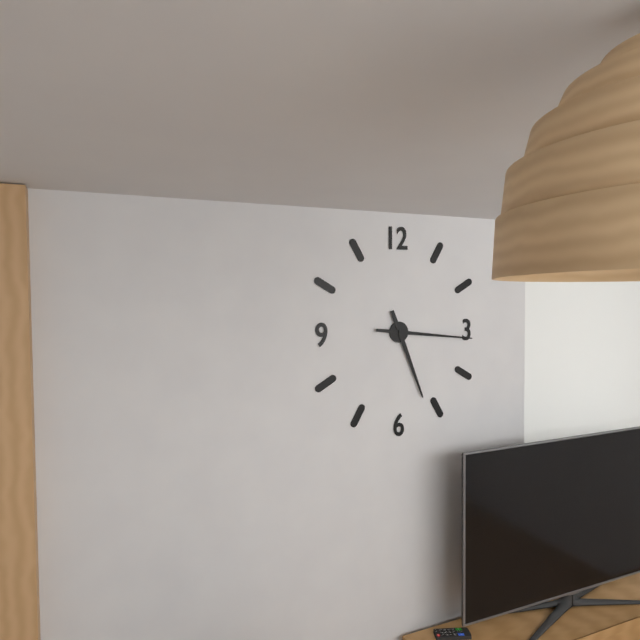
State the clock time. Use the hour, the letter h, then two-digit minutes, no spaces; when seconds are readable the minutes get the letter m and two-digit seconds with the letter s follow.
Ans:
5h16
